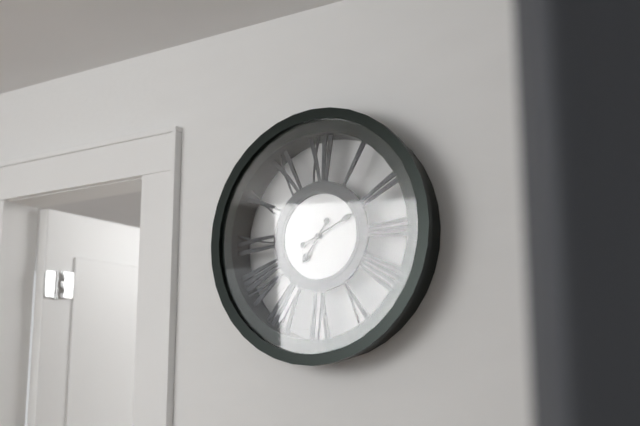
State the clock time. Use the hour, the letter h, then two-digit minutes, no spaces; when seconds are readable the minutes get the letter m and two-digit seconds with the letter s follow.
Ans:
7h11
